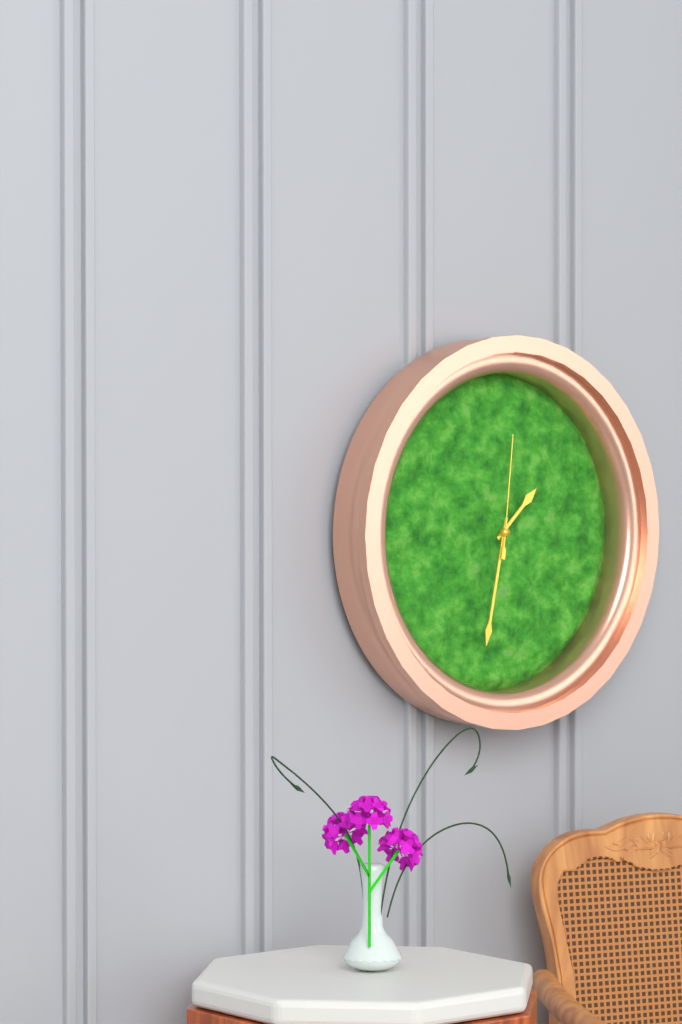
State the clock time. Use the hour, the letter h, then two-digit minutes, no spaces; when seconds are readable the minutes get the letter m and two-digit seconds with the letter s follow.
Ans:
1h32m01s
